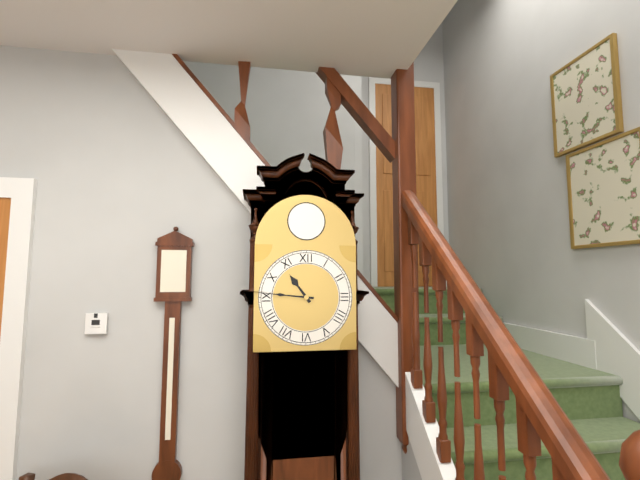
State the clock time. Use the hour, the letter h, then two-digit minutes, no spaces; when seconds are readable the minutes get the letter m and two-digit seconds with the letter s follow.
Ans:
10h46
